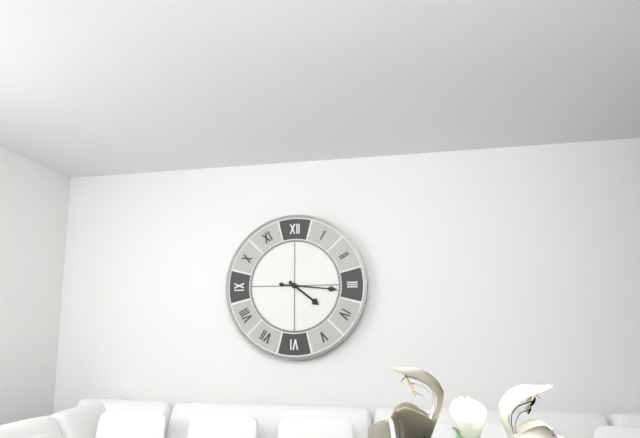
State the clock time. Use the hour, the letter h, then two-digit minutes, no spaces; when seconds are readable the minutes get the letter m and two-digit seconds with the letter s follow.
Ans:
4h16
